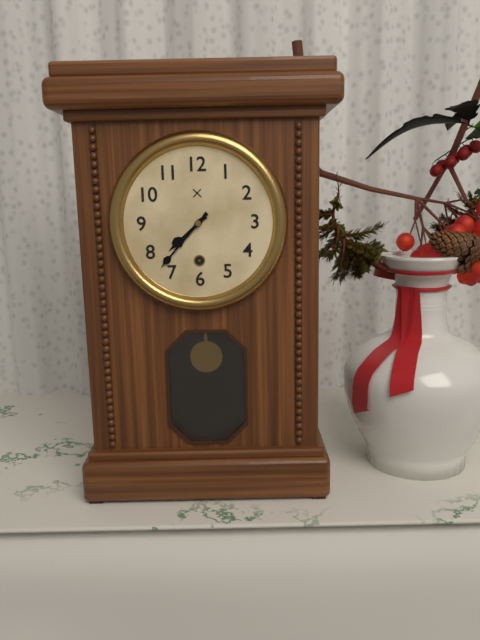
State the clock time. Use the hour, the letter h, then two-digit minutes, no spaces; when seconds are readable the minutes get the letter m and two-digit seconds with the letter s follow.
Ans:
7h37
